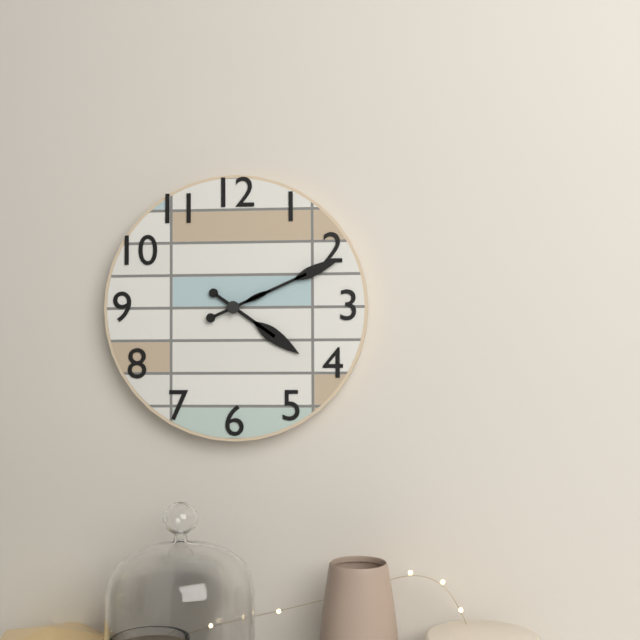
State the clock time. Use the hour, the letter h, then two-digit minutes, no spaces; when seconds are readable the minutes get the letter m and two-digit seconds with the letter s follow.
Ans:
4h11
